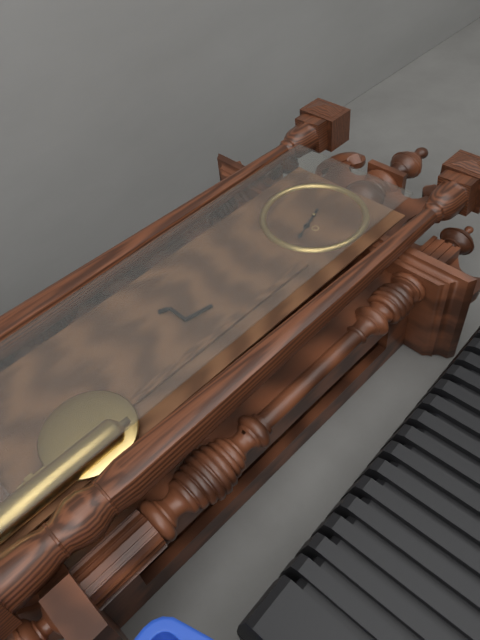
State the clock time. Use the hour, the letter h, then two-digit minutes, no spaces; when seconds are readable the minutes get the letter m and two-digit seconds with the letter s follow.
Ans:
5h27
